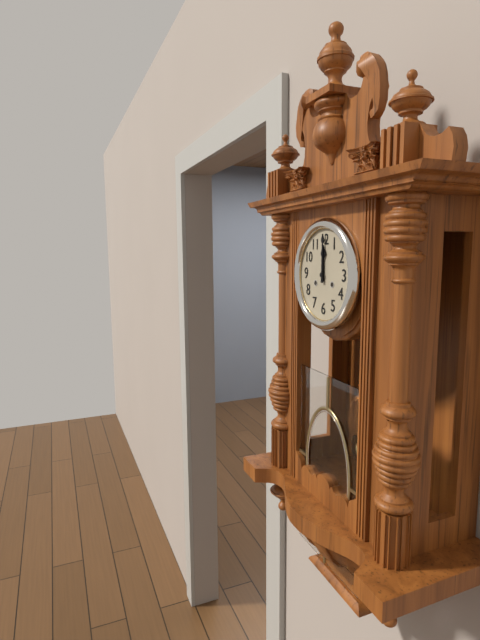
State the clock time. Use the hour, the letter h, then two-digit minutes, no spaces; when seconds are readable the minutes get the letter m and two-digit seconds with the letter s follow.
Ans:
12h00
